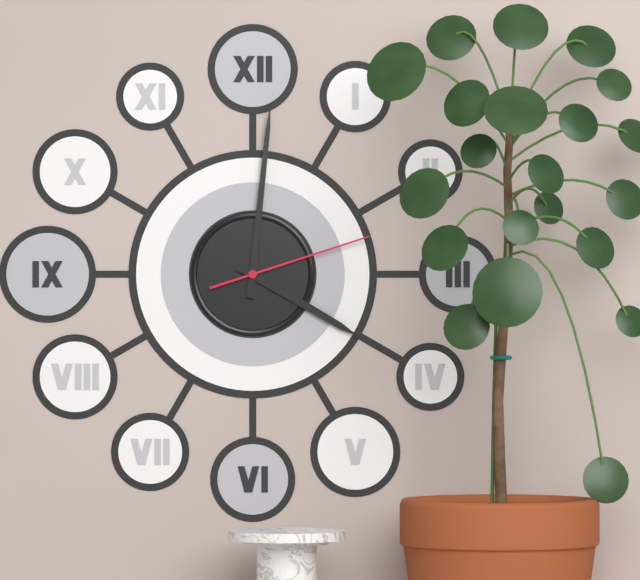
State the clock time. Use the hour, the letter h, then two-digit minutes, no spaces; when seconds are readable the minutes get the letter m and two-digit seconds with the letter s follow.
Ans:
4h01m12s
